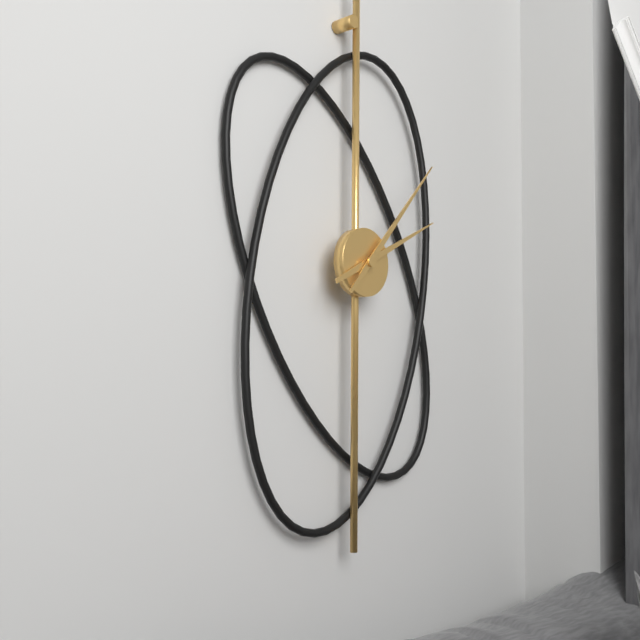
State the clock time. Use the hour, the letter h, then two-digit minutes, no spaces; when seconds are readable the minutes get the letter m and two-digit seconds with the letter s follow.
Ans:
2h07
